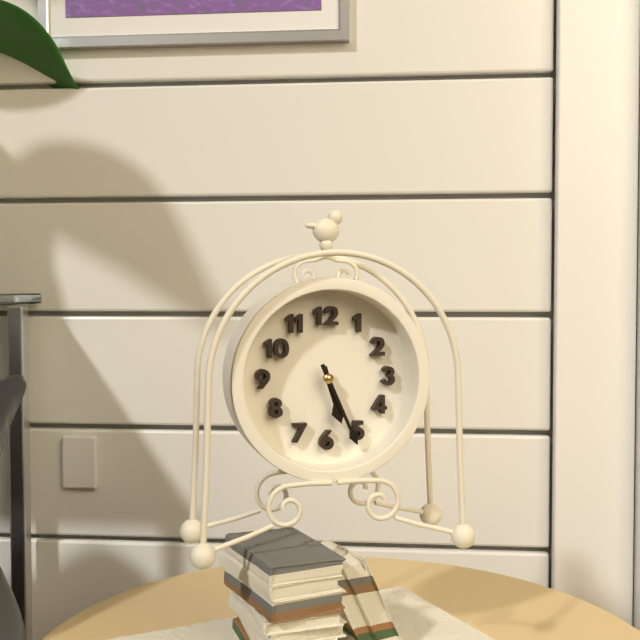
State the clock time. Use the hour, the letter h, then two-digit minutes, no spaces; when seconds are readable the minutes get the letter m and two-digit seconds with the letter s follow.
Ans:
5h26
